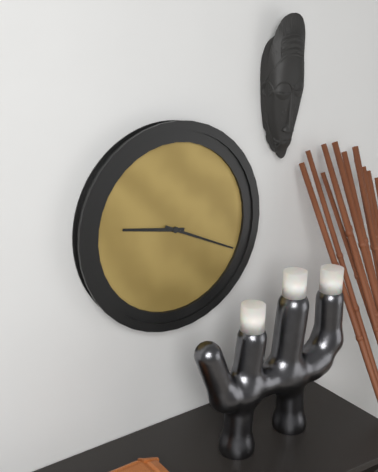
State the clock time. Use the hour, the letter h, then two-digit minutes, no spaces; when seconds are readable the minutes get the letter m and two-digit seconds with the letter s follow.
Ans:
9h19
